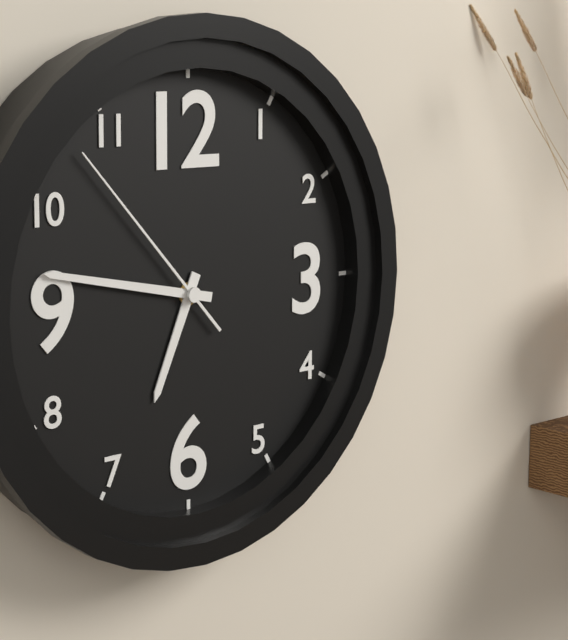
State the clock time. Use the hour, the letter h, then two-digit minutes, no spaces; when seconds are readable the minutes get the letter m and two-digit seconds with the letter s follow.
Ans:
6h47m53s
